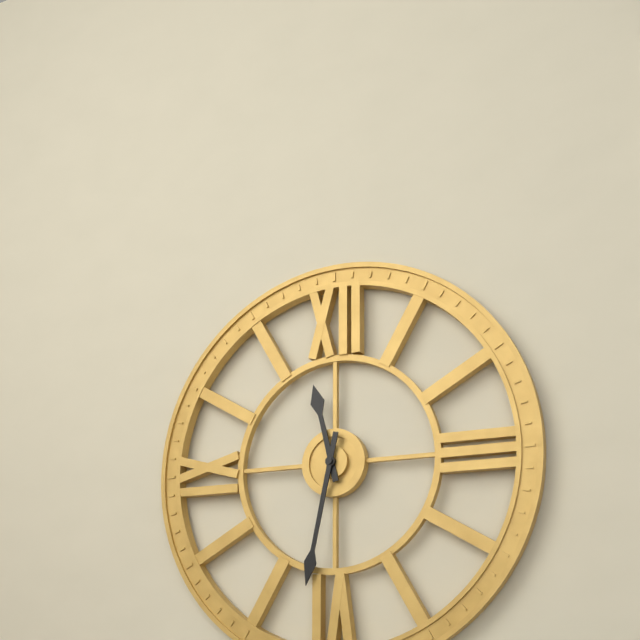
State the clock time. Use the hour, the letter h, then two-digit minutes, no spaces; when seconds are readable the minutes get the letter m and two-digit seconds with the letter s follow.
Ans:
11h32
